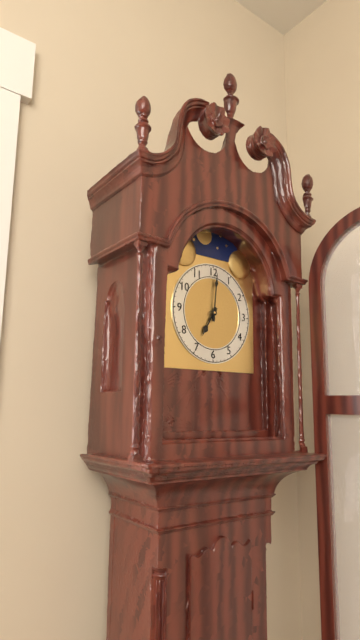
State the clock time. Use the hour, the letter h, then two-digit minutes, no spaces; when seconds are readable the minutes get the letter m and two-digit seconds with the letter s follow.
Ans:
7h01
